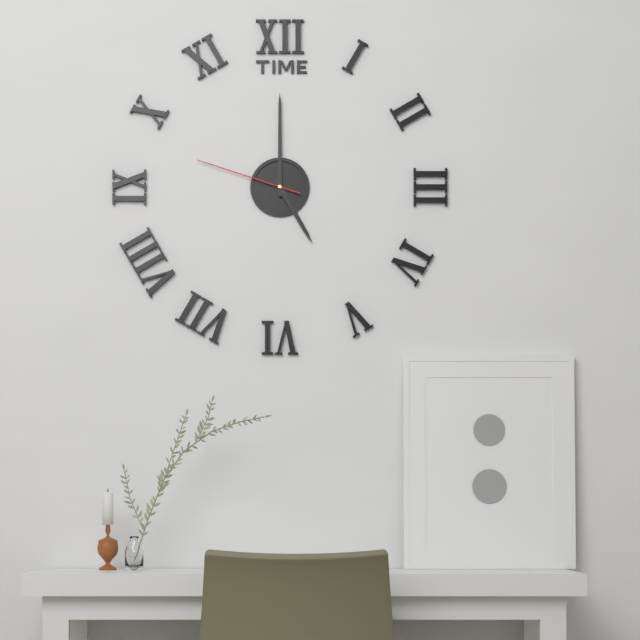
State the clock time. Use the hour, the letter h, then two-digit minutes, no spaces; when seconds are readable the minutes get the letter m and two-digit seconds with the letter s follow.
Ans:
5h00m48s
